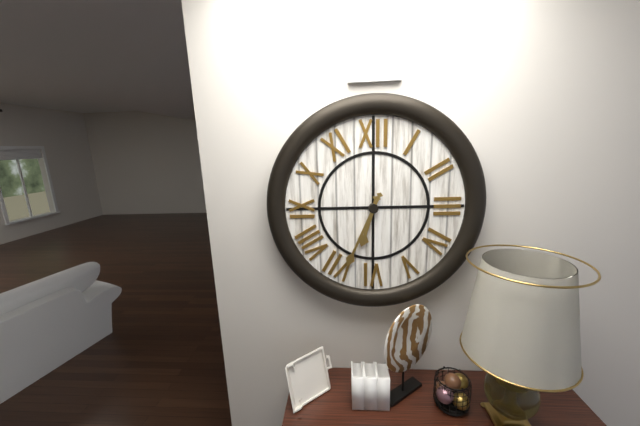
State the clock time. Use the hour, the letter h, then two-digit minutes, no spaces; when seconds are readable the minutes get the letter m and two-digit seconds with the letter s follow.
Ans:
6h34
